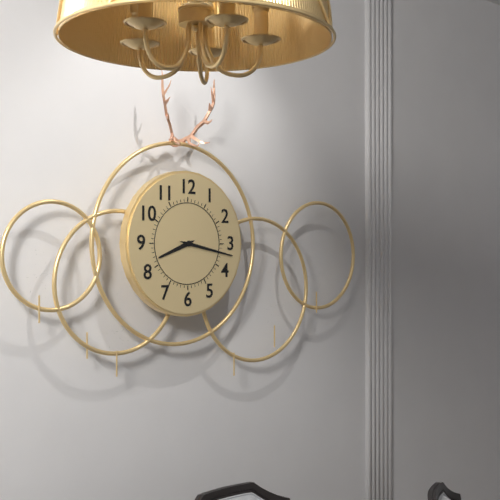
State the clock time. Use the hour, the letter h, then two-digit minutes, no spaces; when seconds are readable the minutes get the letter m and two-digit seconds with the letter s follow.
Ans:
8h17
